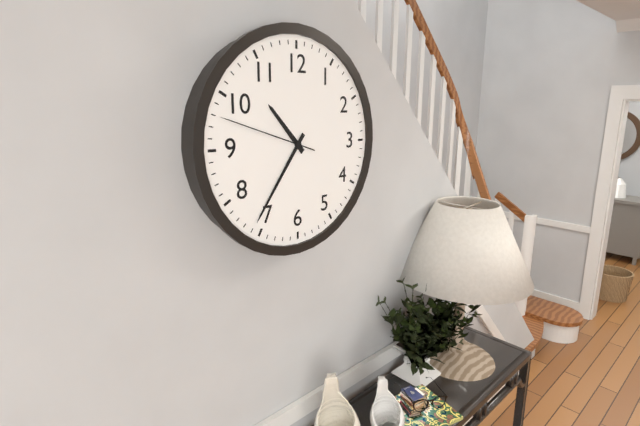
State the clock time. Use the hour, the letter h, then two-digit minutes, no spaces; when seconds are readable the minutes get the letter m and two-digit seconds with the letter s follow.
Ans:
10h36m48s
